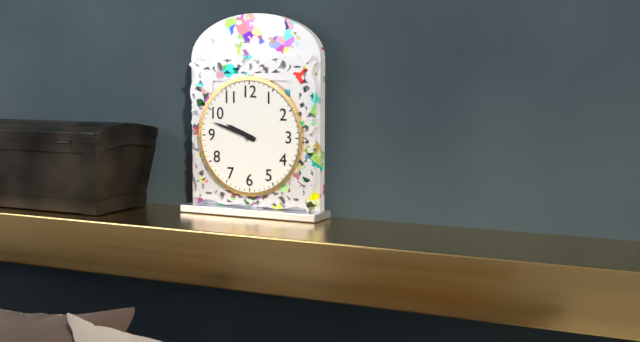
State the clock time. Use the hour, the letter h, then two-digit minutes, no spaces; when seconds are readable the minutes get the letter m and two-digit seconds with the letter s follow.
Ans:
9h48
